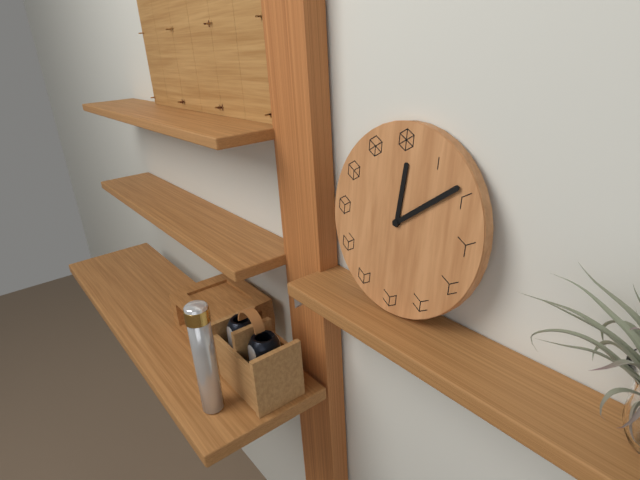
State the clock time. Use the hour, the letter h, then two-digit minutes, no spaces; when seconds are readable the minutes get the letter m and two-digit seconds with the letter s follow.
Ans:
12h09
